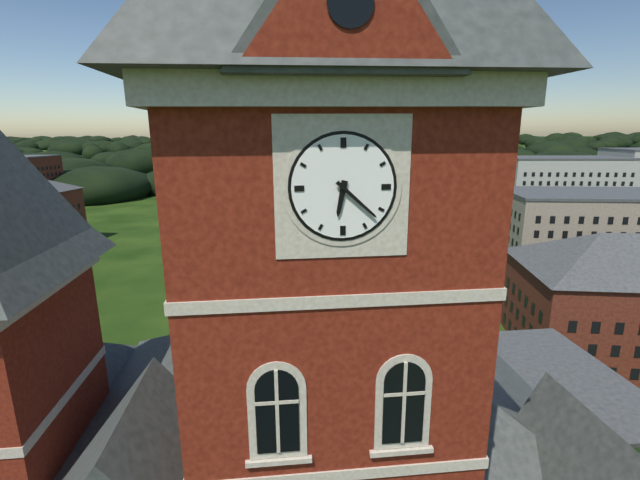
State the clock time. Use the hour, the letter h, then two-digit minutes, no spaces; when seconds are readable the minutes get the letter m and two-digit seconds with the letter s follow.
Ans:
6h22
